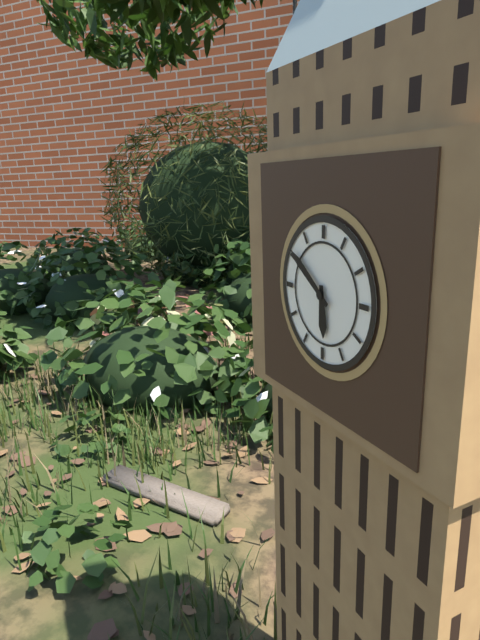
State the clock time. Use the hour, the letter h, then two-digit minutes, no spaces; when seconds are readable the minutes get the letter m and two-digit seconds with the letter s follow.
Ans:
5h51
